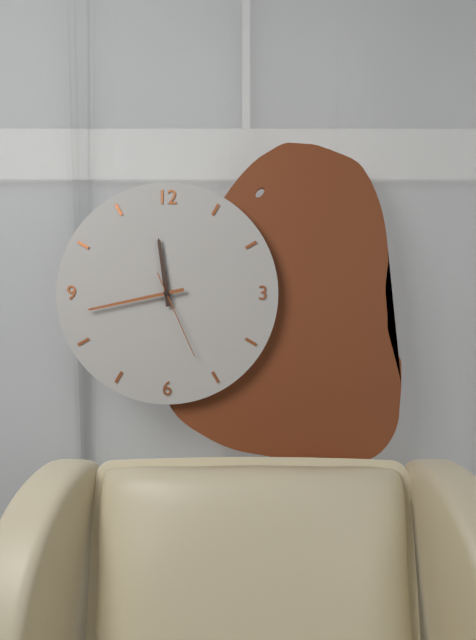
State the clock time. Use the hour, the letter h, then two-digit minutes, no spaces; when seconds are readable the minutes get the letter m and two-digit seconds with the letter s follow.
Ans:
11h43m26s
